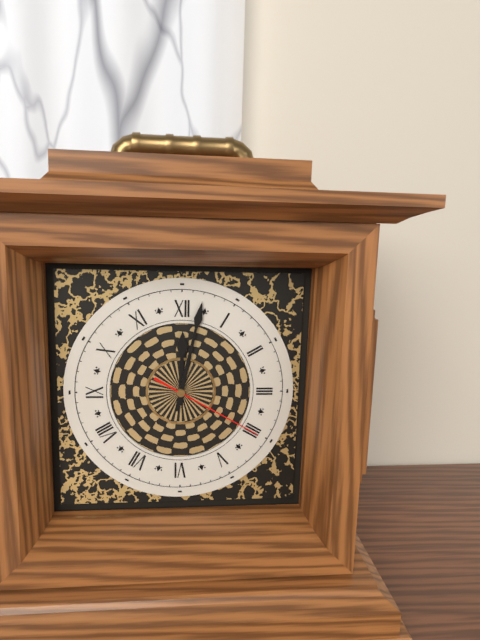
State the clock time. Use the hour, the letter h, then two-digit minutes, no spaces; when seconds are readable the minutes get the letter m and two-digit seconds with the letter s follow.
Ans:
12h02m20s
